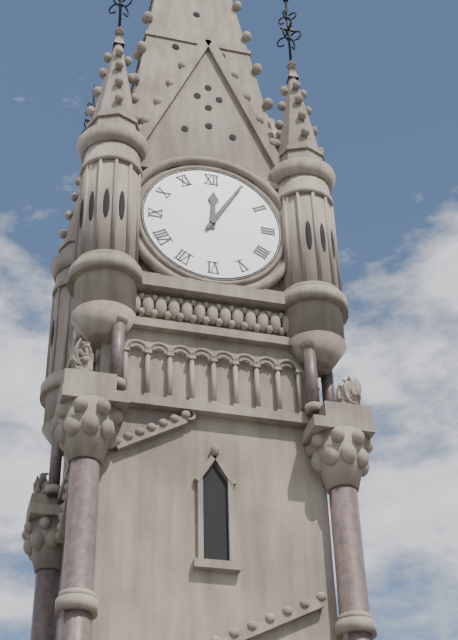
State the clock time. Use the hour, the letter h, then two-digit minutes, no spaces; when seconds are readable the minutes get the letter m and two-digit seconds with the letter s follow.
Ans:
12h05
